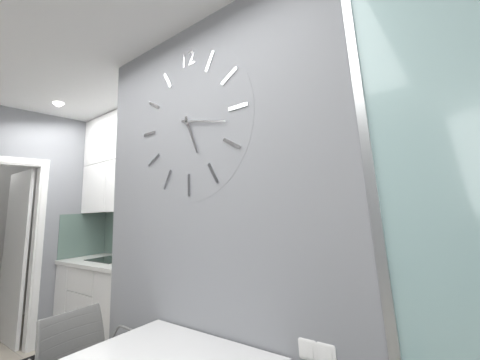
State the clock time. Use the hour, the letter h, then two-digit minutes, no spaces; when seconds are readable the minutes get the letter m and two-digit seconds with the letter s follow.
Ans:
5h17
